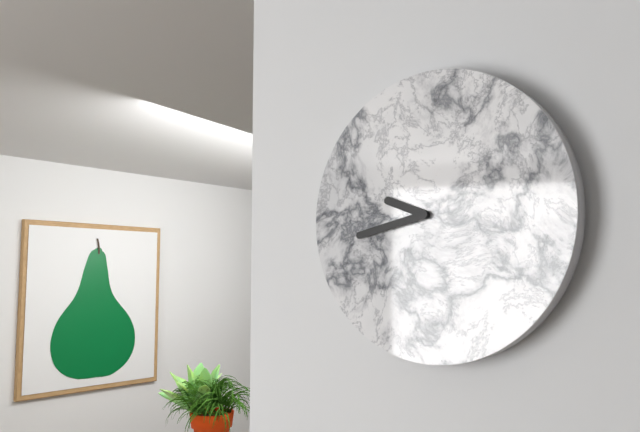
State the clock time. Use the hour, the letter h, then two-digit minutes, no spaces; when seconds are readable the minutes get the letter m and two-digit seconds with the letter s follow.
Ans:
9h43
